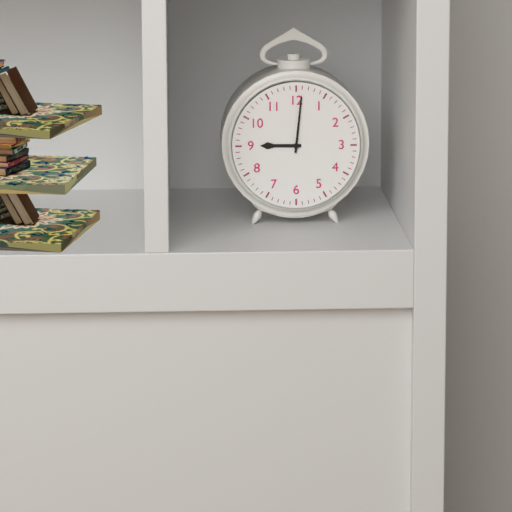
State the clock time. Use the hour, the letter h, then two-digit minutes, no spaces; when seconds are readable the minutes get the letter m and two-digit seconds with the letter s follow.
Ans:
9h01
